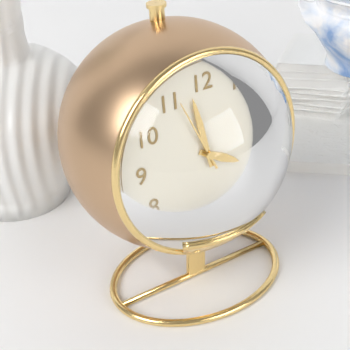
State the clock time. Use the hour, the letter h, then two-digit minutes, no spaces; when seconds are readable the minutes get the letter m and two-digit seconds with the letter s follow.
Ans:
3h58m56s
